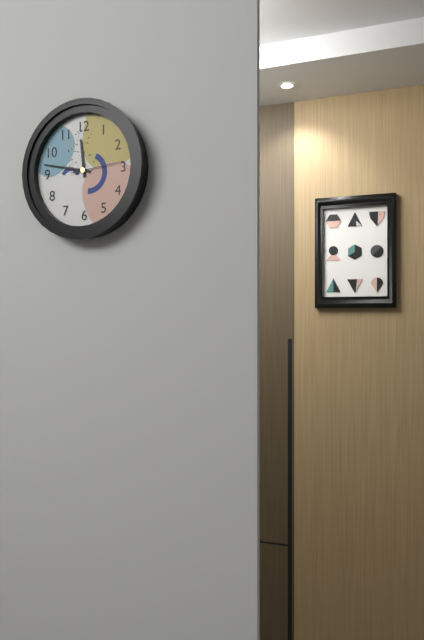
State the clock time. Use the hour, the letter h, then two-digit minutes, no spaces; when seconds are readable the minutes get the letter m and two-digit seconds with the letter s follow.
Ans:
11h47
